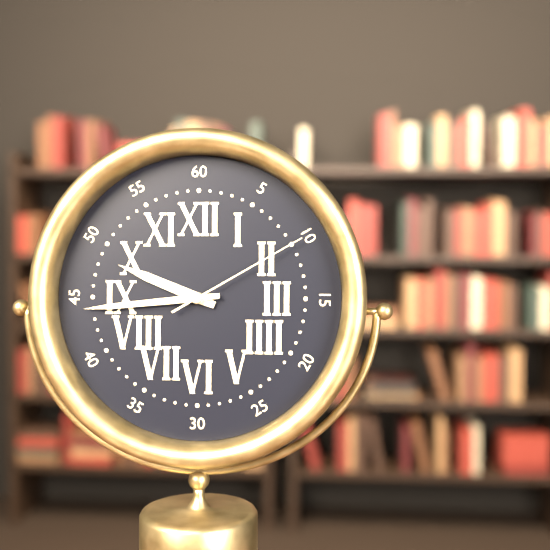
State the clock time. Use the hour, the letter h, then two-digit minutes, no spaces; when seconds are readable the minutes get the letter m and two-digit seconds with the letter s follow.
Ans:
9h44m10s
